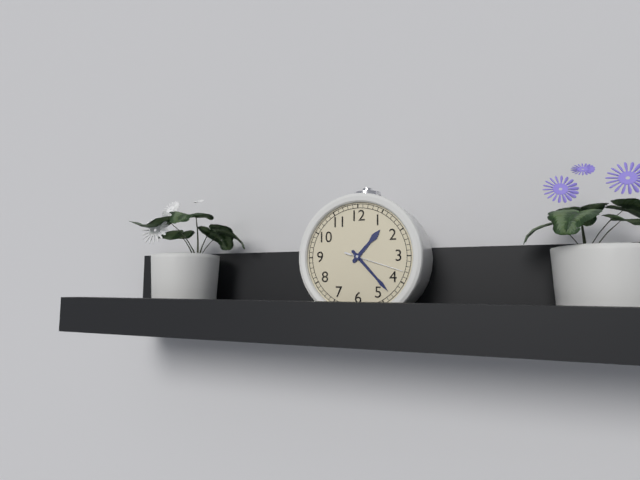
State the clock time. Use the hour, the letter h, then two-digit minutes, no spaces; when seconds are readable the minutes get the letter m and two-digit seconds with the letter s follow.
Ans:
1h23m18s
